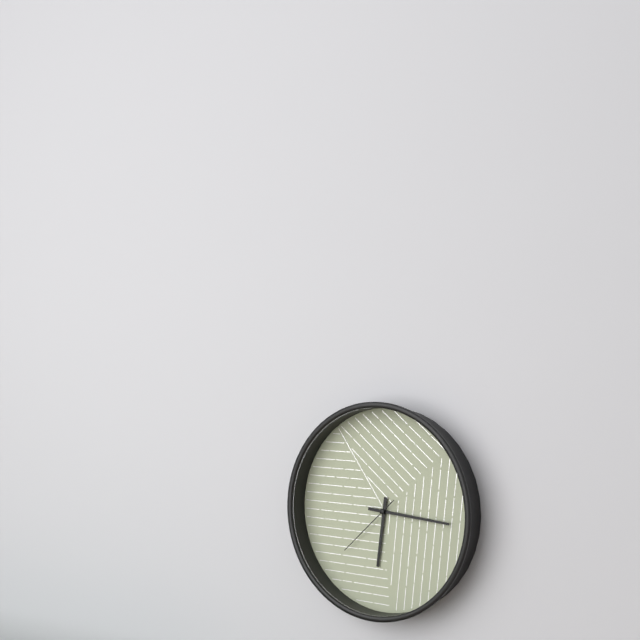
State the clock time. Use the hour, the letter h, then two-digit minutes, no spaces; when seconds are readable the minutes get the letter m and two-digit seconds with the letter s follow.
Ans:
6h16m38s
